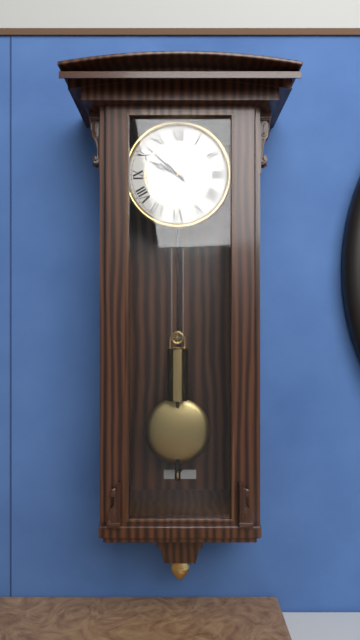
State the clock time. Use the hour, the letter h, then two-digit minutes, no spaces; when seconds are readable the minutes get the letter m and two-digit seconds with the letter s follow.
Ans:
9h52
